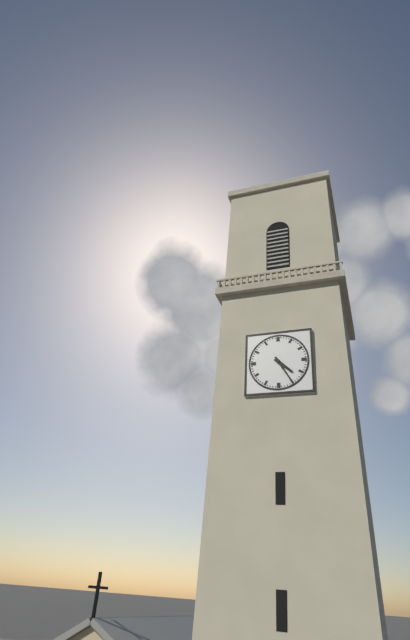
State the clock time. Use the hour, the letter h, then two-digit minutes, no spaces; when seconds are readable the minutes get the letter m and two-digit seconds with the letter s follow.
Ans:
4h25
